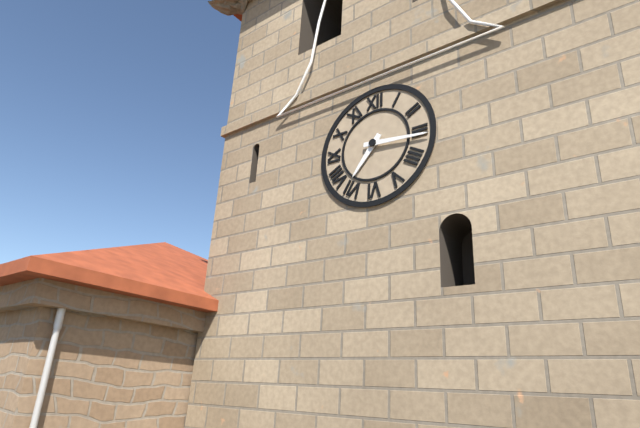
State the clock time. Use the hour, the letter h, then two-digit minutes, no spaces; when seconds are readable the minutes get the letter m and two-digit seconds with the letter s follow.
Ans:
7h16
